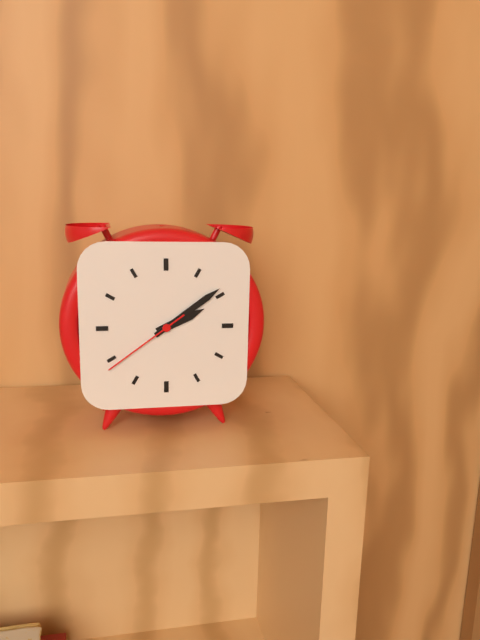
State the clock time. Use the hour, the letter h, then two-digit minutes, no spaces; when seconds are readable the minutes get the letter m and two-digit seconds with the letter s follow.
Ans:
2h09m39s
